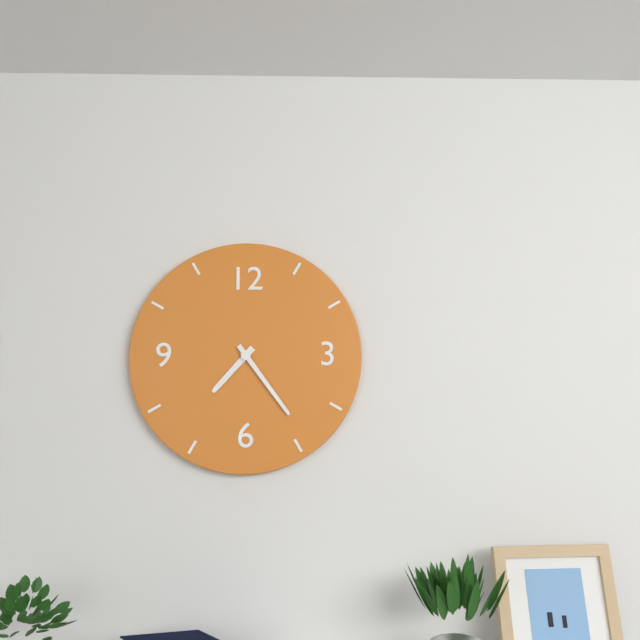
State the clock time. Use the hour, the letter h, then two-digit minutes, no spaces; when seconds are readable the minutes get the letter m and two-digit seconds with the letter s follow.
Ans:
7h24
